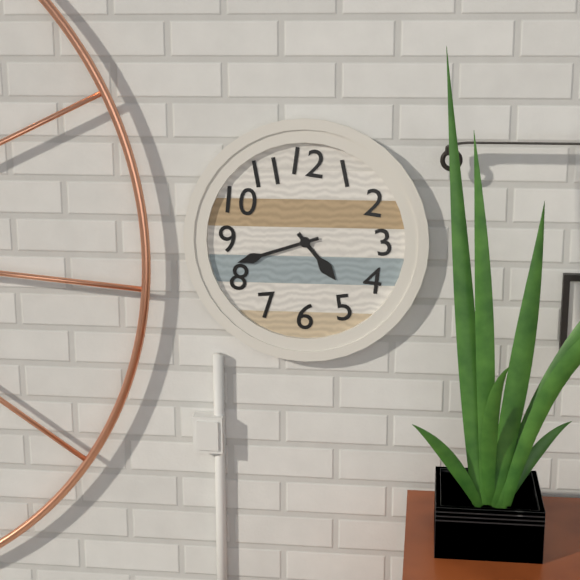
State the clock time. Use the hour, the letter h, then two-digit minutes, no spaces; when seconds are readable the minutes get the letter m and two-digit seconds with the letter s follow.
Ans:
4h42
